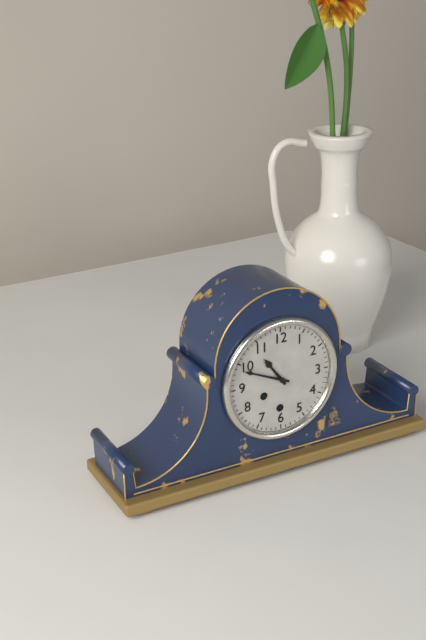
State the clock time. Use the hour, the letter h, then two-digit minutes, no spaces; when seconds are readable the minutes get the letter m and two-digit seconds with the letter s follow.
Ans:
10h49
